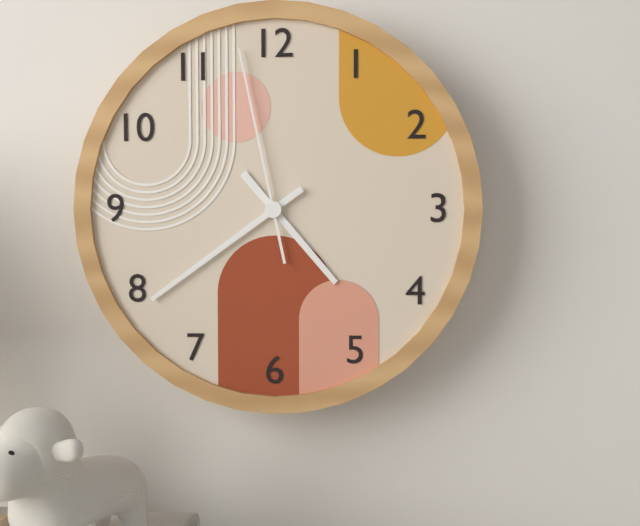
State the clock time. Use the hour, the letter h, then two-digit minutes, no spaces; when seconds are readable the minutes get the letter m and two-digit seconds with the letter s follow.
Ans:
4h39m58s
